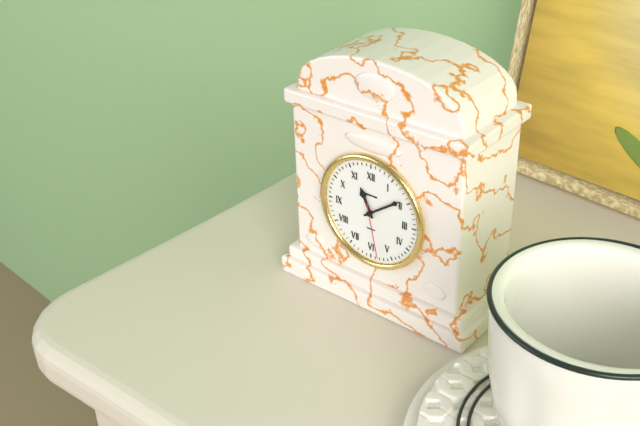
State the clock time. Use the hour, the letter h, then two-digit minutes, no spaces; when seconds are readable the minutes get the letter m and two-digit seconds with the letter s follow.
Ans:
11h09m28s
